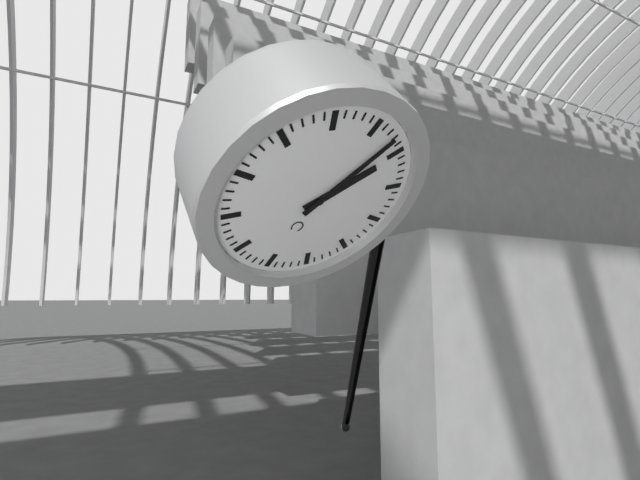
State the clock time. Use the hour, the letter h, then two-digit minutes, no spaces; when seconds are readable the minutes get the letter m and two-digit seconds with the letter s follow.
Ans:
1h03
